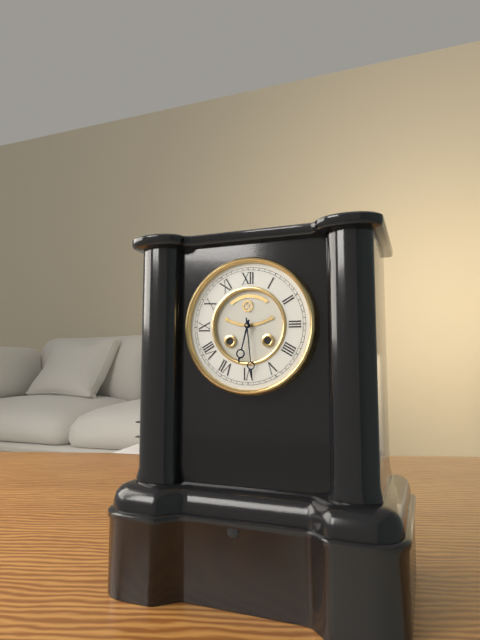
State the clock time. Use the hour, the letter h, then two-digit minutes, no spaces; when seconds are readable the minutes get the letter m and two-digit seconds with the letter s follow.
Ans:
6h29
